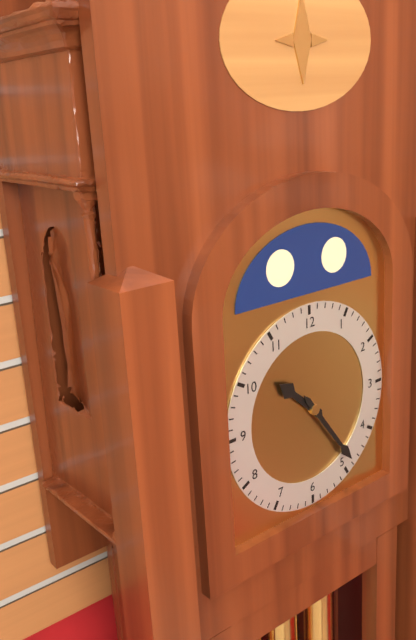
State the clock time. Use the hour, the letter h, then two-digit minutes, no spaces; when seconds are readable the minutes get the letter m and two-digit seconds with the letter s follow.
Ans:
10h24
